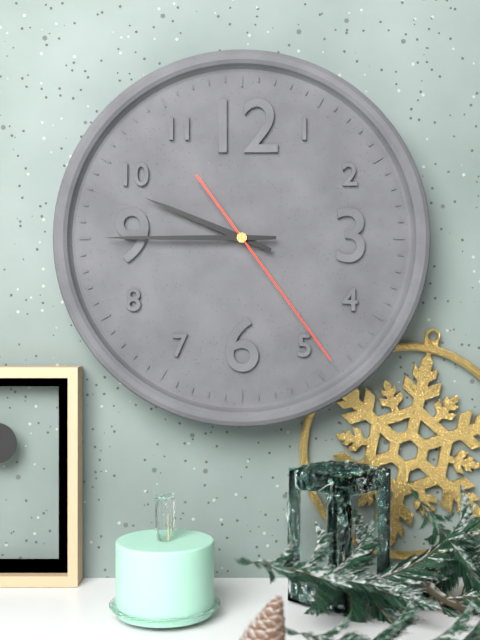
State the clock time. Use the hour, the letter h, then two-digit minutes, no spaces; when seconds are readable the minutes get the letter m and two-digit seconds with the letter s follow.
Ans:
9h45m24s
